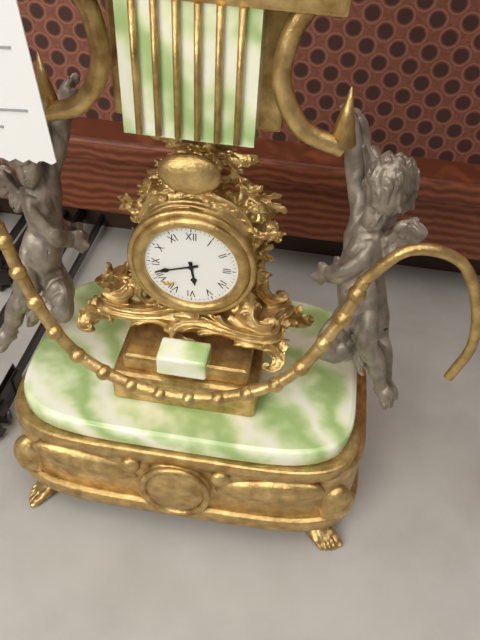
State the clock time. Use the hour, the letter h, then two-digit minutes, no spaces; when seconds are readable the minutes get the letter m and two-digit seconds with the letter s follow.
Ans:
5h42
